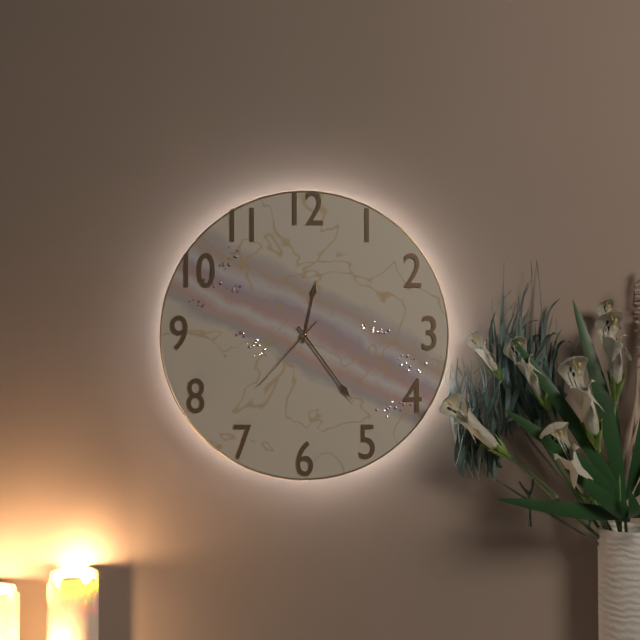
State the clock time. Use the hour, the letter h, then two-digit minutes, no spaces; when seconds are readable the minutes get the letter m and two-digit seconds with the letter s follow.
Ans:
12h24m37s
